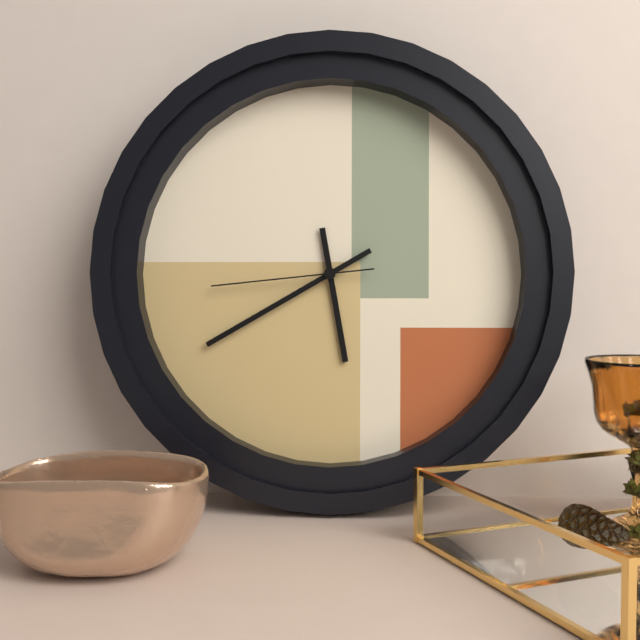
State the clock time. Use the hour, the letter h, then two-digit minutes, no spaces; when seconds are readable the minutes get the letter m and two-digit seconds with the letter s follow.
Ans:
5h40m44s
